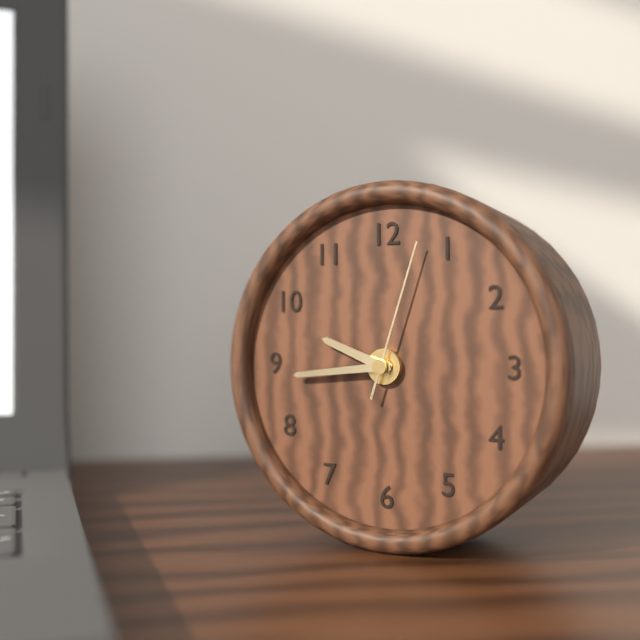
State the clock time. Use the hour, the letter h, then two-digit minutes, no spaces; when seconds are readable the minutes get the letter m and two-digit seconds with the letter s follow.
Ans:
9h44m03s
